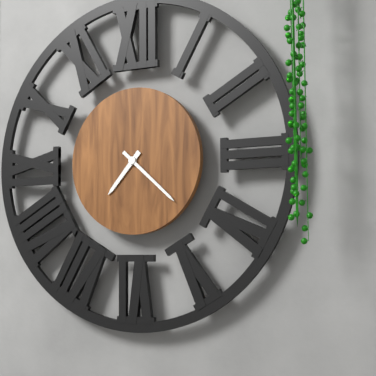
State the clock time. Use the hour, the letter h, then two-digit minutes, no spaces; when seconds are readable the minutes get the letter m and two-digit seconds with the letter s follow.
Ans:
7h22
